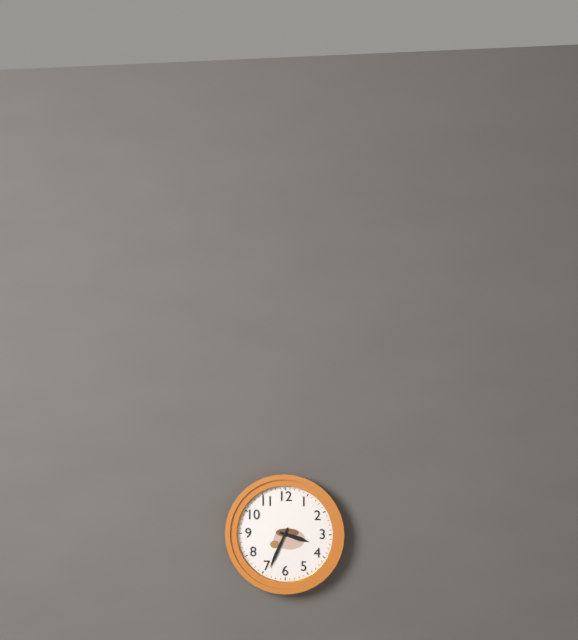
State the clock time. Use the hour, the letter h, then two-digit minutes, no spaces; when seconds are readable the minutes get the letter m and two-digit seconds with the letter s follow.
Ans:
3h34
